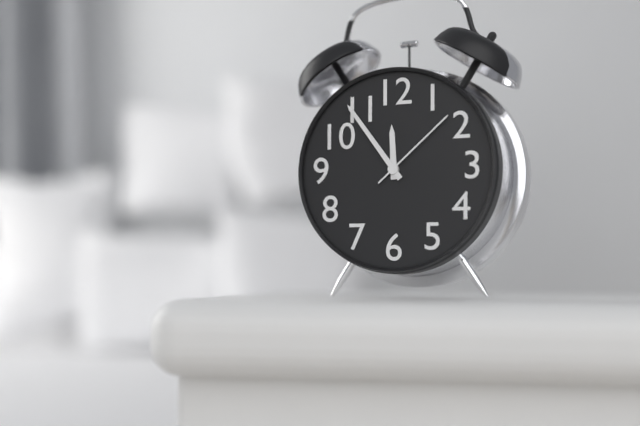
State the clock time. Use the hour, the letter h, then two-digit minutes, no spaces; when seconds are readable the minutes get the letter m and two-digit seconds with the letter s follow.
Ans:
11h54m08s
